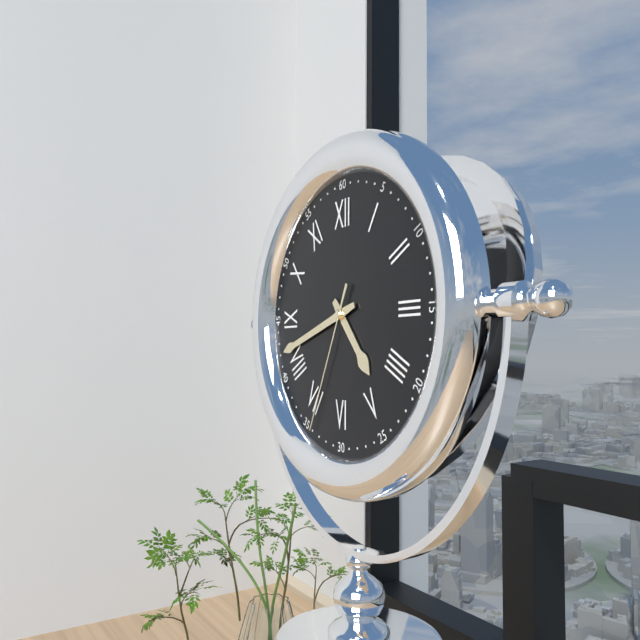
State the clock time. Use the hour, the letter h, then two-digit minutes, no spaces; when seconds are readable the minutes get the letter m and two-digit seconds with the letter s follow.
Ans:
4h42m34s
